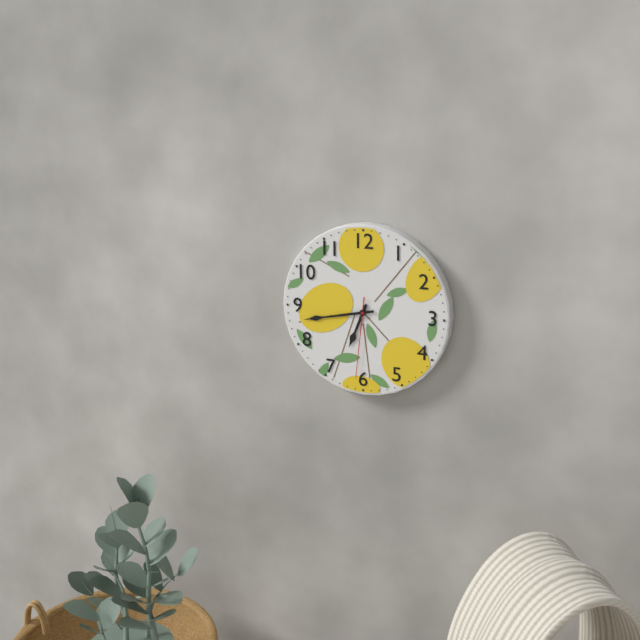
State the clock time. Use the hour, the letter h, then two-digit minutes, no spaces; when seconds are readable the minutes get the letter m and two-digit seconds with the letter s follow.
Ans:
6h43m31s
